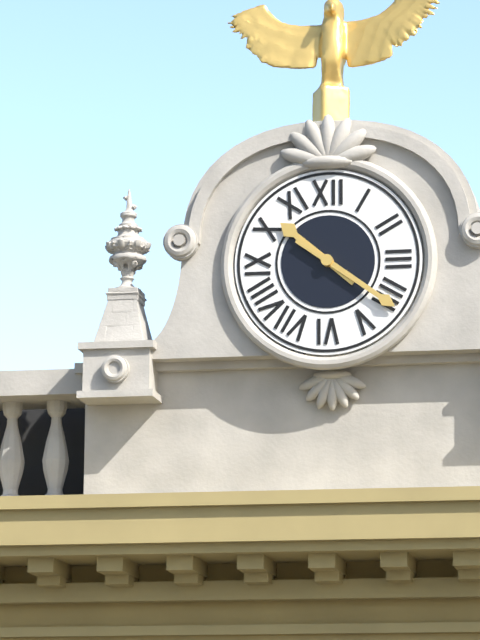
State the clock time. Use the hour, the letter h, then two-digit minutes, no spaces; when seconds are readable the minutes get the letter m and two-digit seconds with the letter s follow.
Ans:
10h21
